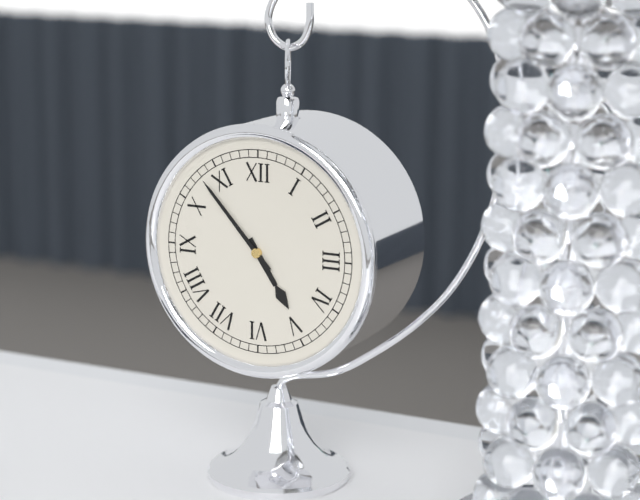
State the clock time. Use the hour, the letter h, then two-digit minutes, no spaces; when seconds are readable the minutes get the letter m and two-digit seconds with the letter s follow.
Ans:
4h53
